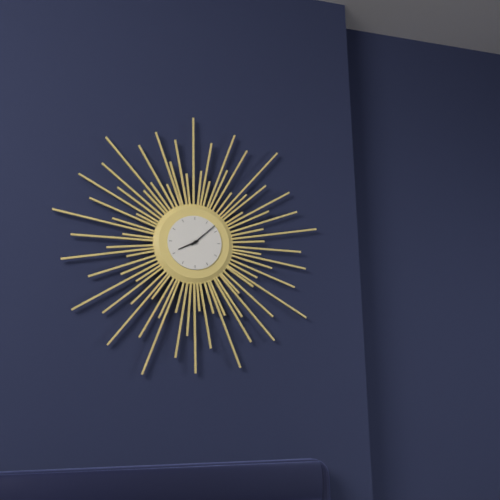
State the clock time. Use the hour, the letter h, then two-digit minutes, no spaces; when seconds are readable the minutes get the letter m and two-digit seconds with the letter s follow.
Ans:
8h08
